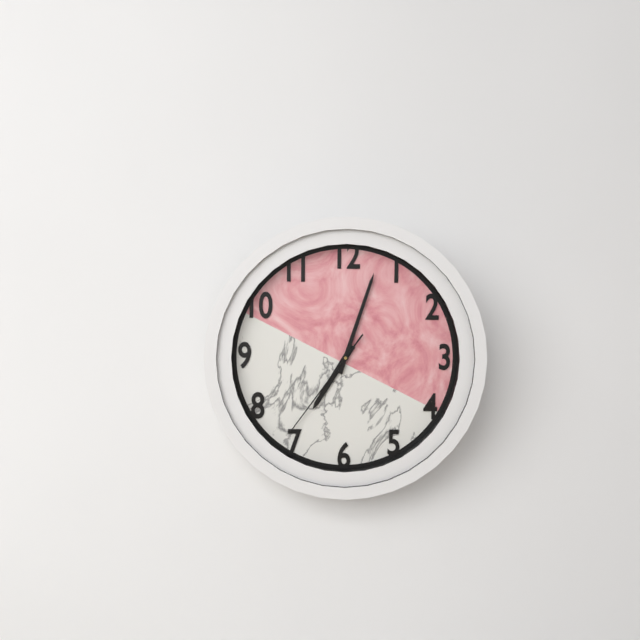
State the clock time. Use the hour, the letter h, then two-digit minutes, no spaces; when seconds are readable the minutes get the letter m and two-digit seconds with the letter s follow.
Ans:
7h03m36s
